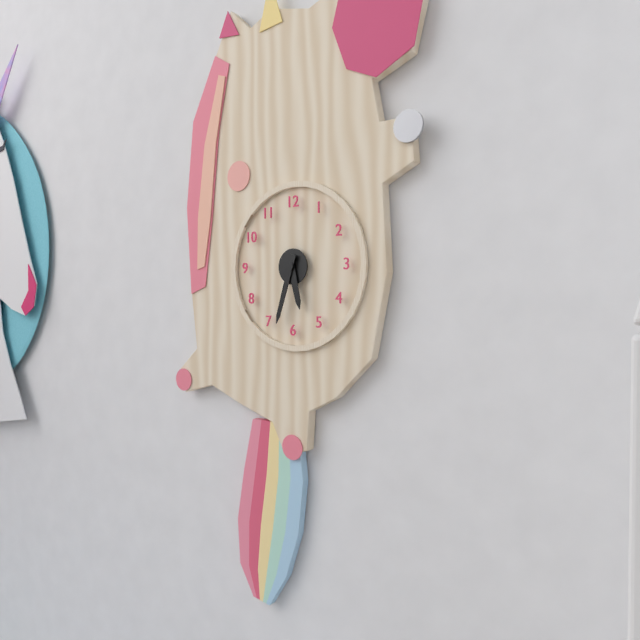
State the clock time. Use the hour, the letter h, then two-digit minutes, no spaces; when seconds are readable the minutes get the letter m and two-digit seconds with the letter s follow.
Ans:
5h33
